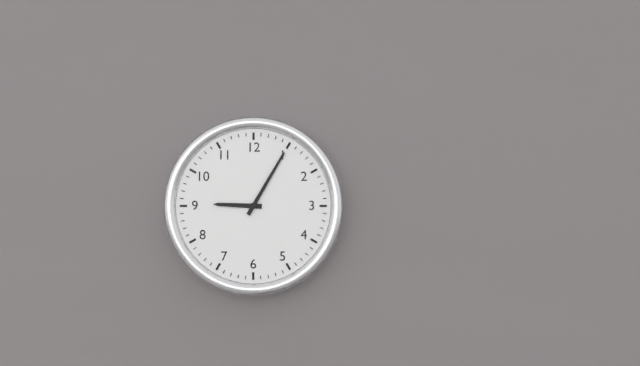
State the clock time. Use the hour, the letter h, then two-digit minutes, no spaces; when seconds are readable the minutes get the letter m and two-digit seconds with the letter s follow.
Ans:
9h05
